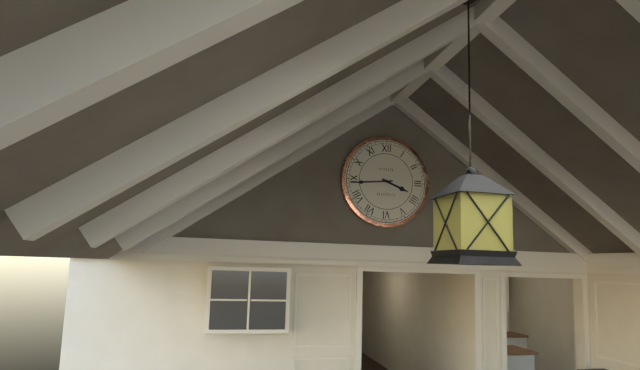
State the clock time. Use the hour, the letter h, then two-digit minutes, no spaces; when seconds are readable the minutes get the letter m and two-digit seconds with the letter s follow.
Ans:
3h44
